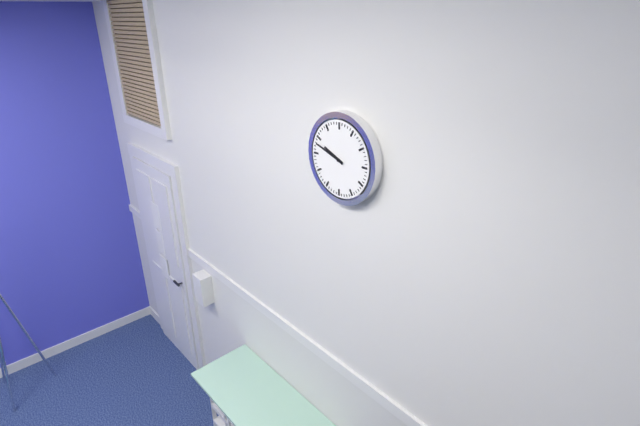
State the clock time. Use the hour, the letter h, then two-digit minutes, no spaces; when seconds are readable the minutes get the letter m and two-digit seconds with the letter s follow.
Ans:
9h48
